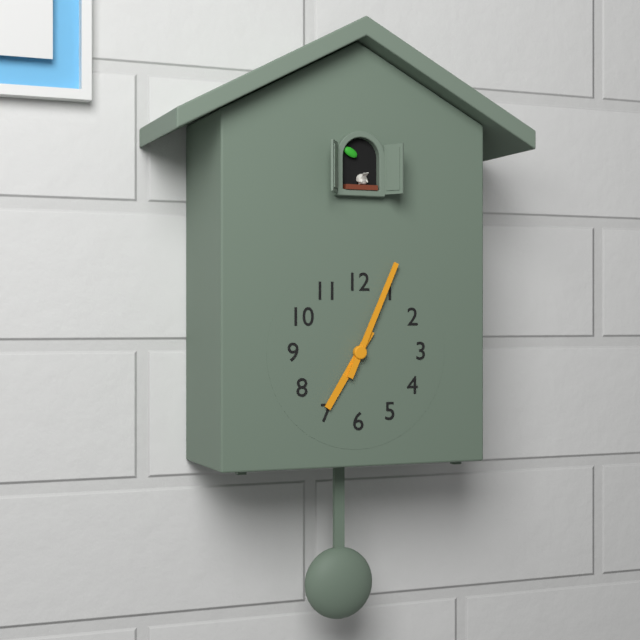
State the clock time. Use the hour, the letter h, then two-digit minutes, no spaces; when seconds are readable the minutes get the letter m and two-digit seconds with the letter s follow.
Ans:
7h04
